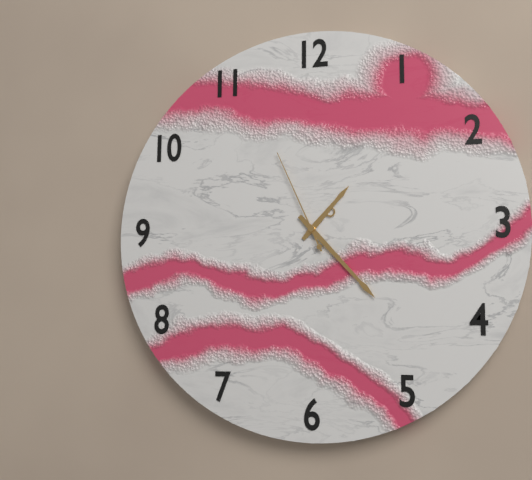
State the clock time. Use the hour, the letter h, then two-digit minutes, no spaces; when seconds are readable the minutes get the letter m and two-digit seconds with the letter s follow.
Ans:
1h23m56s
